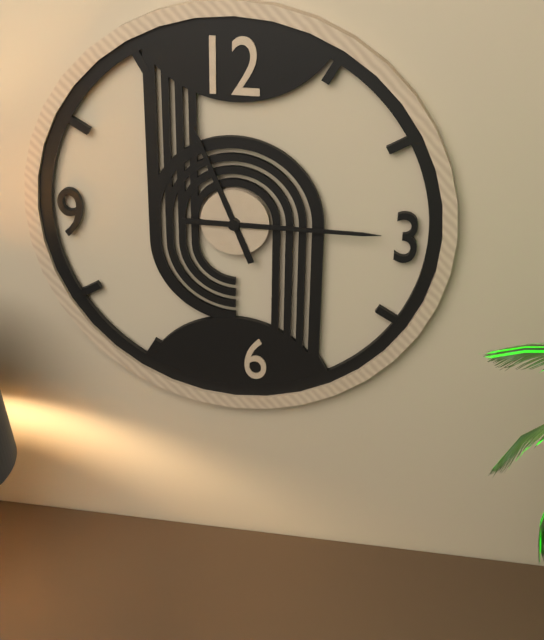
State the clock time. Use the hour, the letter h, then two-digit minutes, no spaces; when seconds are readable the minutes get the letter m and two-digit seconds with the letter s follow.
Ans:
11h15
